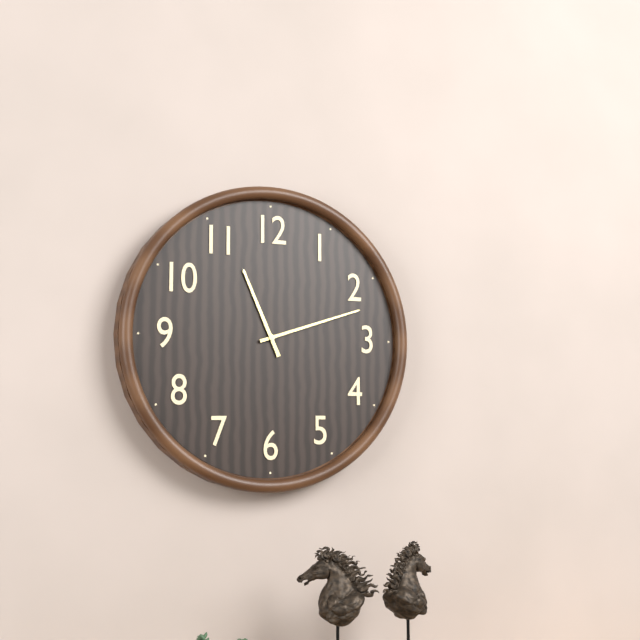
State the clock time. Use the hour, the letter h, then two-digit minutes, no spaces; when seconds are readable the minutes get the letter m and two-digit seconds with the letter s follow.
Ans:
11h12
